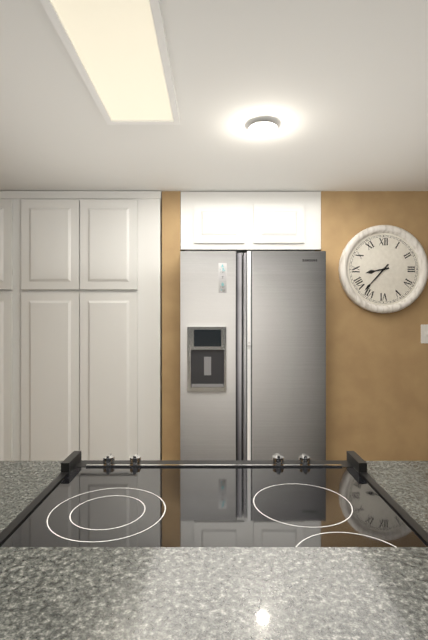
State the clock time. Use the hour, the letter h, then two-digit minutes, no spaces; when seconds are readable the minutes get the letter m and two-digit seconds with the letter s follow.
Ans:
8h37
